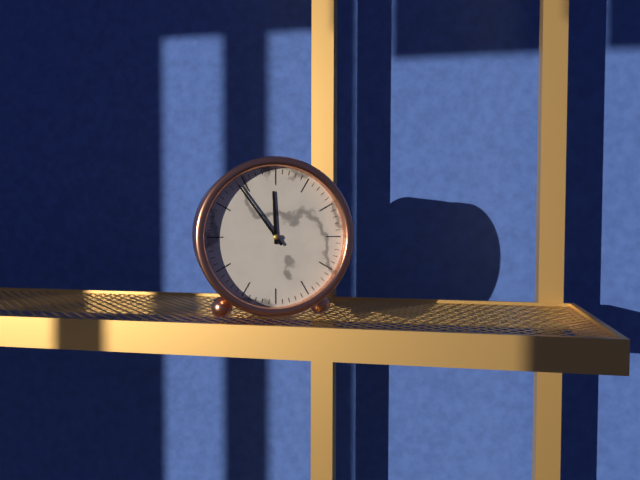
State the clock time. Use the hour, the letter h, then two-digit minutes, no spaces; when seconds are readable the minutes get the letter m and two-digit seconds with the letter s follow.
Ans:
11h54
